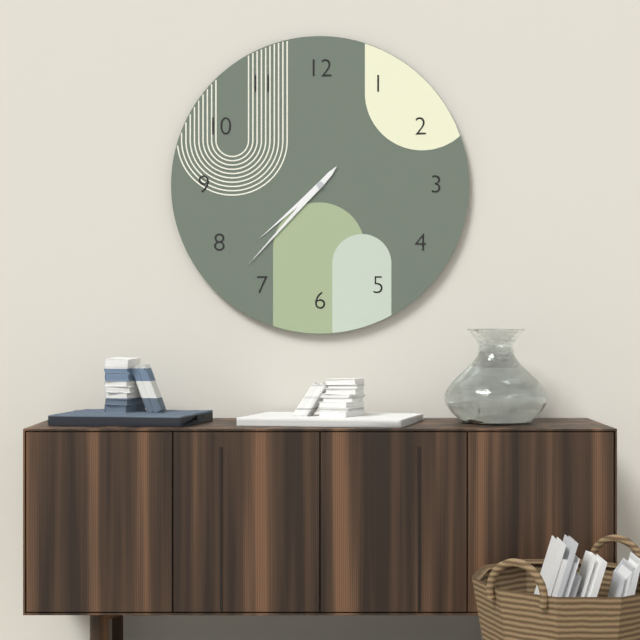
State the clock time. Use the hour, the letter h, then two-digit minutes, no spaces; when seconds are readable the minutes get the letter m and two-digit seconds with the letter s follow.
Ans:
7h37
